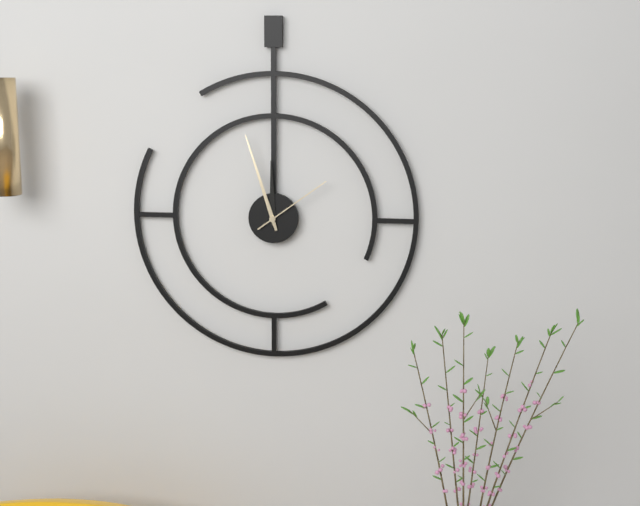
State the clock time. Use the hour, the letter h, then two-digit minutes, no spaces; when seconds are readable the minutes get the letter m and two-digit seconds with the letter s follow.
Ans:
11h57m09s
